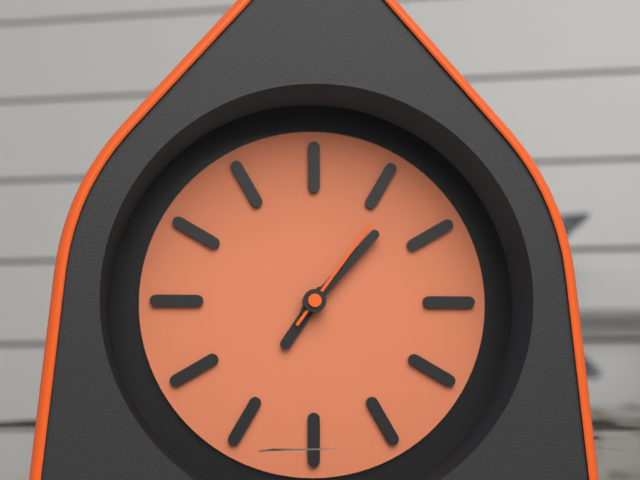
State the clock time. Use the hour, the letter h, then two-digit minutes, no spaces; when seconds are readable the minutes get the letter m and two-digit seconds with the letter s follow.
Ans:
7h07m06s
